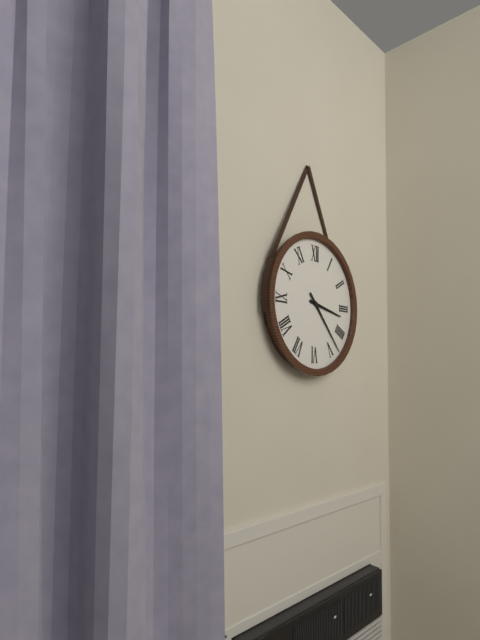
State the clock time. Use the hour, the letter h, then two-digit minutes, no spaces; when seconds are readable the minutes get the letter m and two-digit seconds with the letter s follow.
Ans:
3h23
